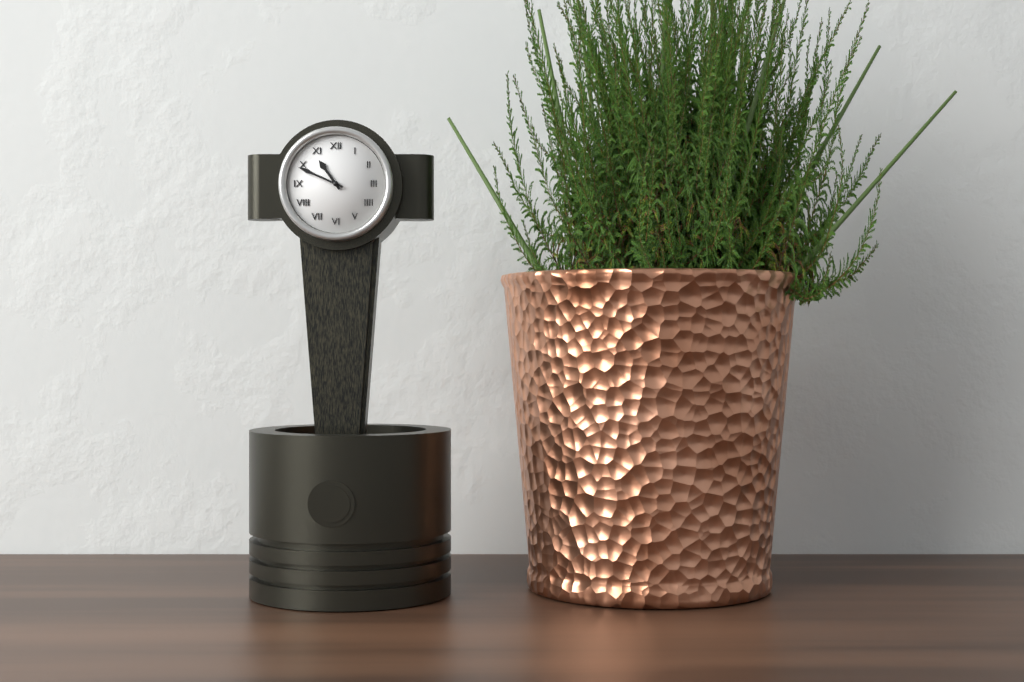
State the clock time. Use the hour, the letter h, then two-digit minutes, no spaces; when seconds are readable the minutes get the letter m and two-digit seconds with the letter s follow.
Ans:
10h49
